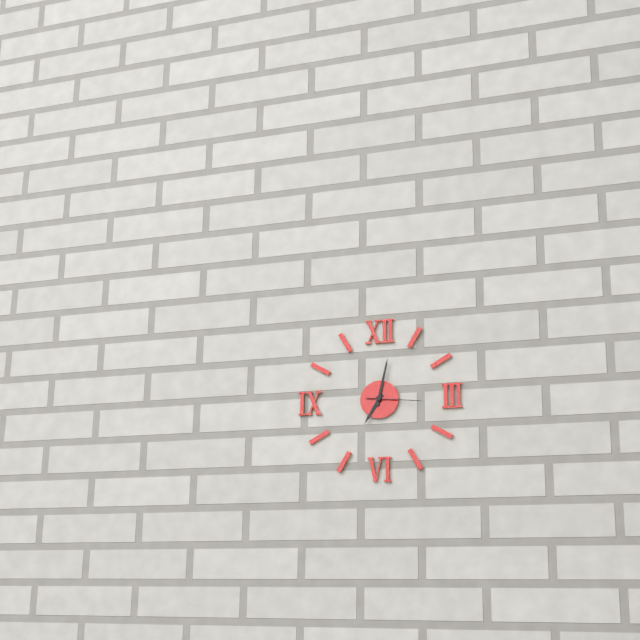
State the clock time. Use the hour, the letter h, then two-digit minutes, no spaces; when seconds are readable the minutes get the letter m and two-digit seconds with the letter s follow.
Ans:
7h02m16s
